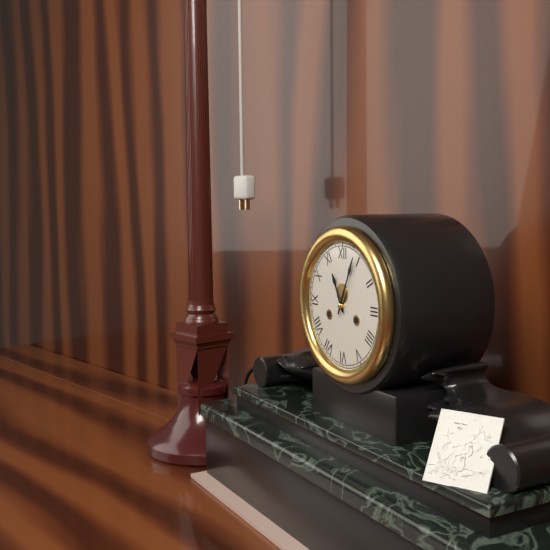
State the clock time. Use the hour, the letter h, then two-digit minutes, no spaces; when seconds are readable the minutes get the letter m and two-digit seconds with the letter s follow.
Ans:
11h04
